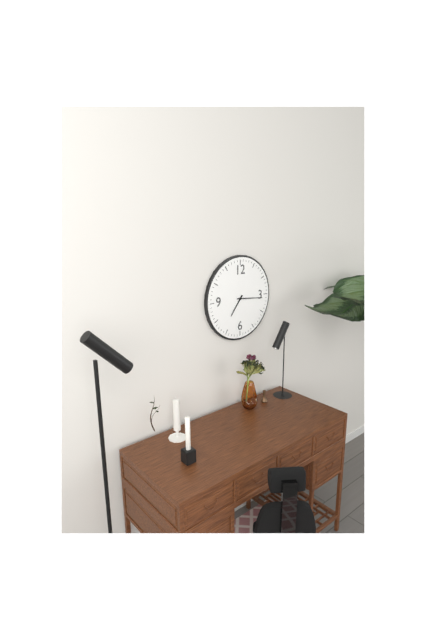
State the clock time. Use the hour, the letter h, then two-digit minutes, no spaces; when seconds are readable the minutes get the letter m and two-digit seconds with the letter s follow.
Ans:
7h16
